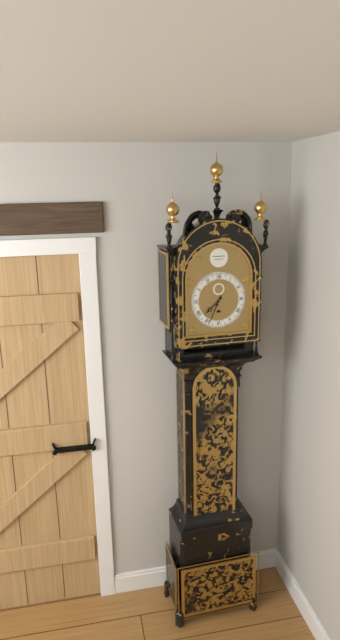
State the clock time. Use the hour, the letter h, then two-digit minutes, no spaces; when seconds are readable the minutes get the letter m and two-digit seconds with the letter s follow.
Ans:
7h34
